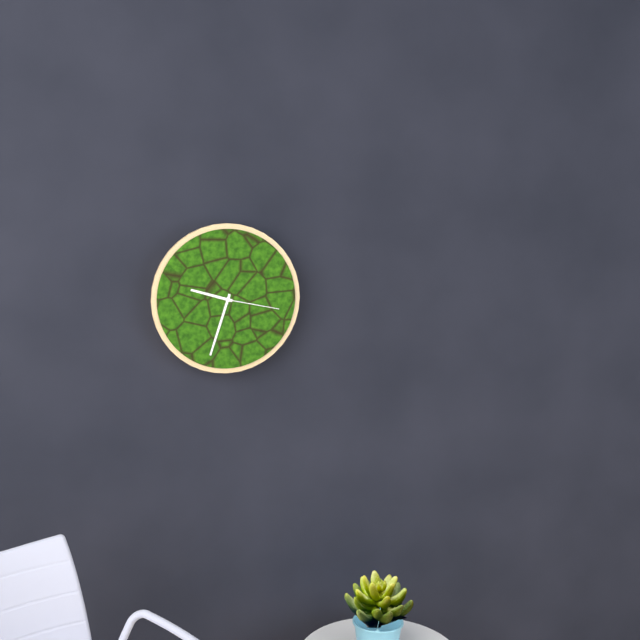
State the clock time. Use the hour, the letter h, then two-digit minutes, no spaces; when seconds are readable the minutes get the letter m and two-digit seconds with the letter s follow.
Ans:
9h33m17s
